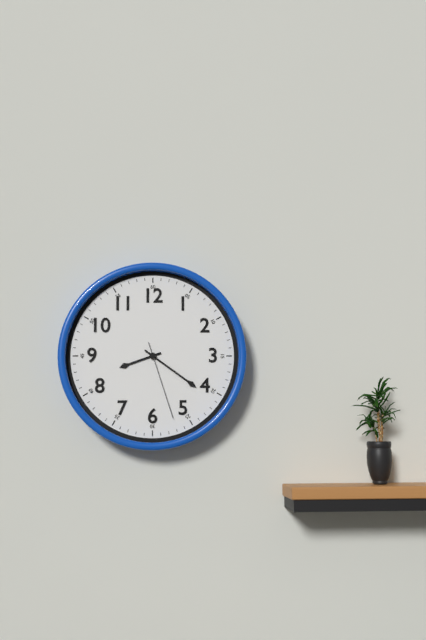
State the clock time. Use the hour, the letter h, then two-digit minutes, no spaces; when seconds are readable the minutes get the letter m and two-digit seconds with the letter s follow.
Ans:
8h21m27s
